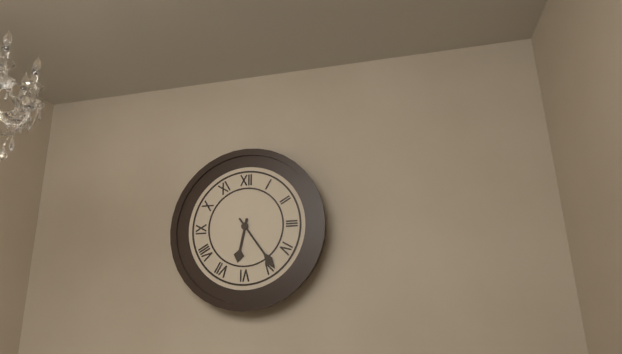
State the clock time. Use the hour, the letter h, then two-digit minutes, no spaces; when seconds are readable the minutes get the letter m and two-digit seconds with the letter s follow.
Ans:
6h24
